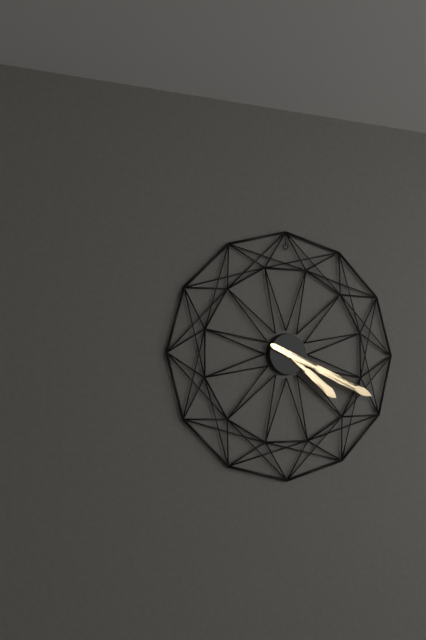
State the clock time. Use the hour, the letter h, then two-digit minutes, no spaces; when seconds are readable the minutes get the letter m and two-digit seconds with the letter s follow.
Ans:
4h19
